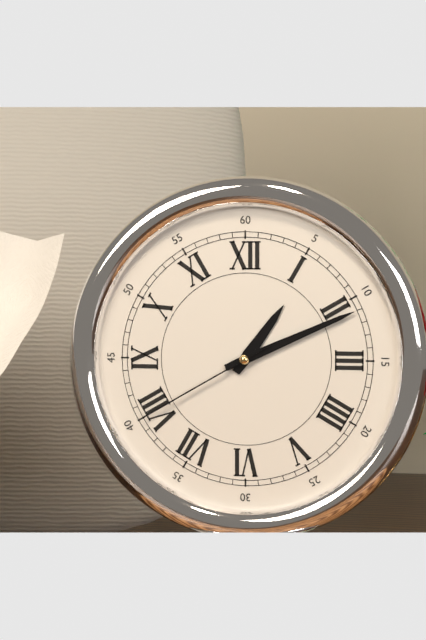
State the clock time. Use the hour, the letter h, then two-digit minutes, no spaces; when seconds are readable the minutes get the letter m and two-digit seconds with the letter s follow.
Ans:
1h11m40s
